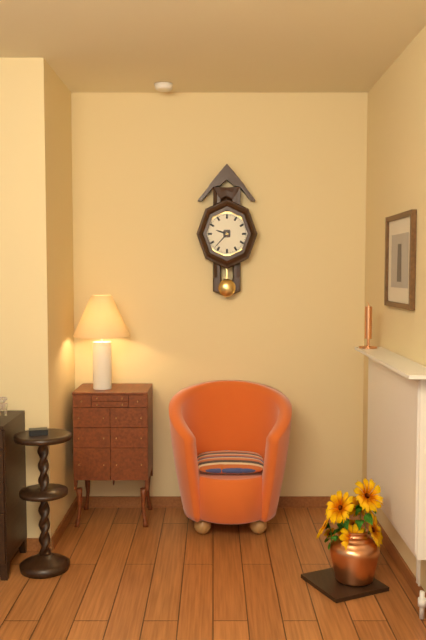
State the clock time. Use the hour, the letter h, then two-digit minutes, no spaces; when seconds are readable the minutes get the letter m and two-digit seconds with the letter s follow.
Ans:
9h37
